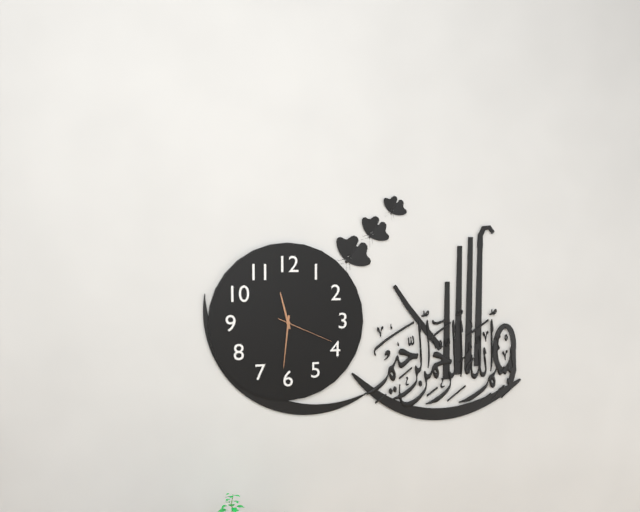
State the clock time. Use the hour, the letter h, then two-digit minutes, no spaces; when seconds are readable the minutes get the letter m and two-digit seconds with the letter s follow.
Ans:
11h31m19s
